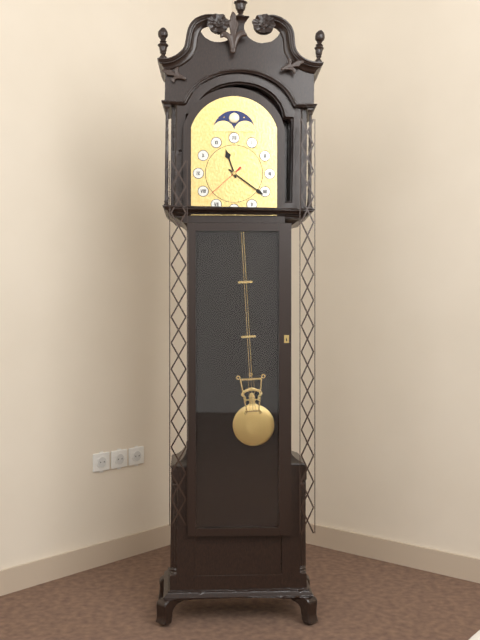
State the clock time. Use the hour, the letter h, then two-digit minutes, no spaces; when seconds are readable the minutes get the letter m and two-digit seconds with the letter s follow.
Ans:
11h21
